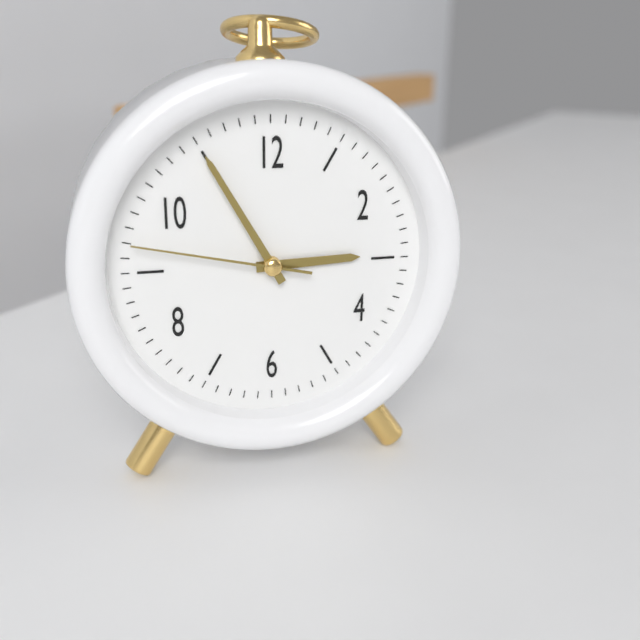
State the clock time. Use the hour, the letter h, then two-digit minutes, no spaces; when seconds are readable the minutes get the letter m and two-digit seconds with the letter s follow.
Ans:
2h55m47s
